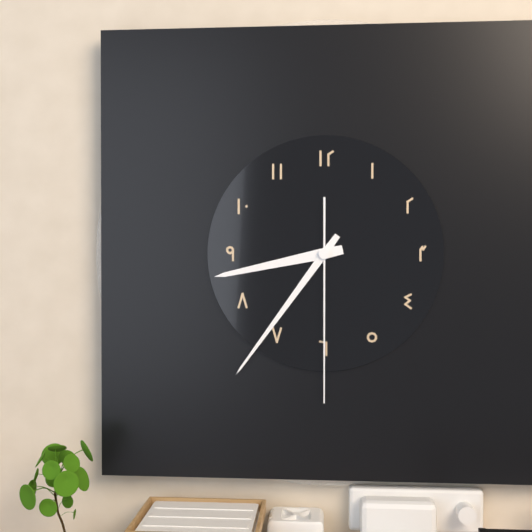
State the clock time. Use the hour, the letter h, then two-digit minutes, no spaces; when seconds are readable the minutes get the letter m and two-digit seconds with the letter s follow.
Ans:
8h36m30s
